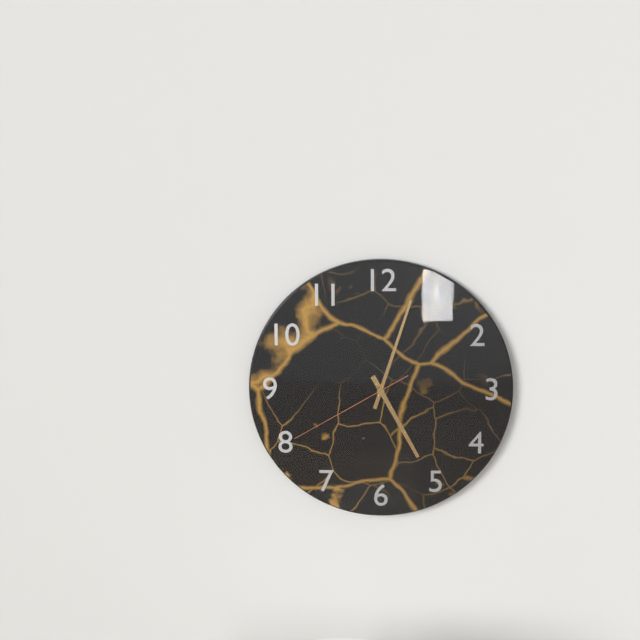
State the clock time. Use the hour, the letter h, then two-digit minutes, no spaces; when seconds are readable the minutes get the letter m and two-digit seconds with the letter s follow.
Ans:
5h03m40s
